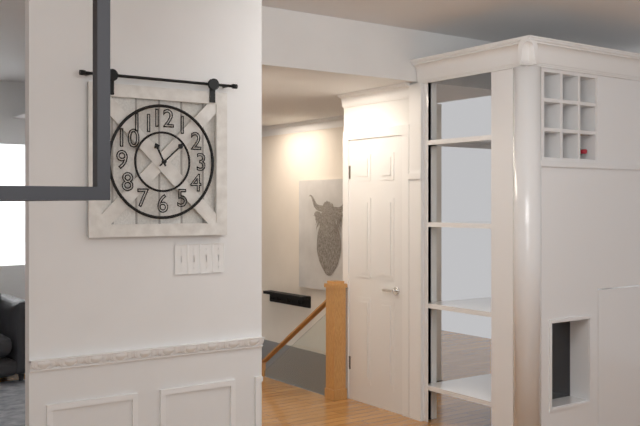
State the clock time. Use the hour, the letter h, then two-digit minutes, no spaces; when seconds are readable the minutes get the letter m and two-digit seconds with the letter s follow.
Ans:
11h08
